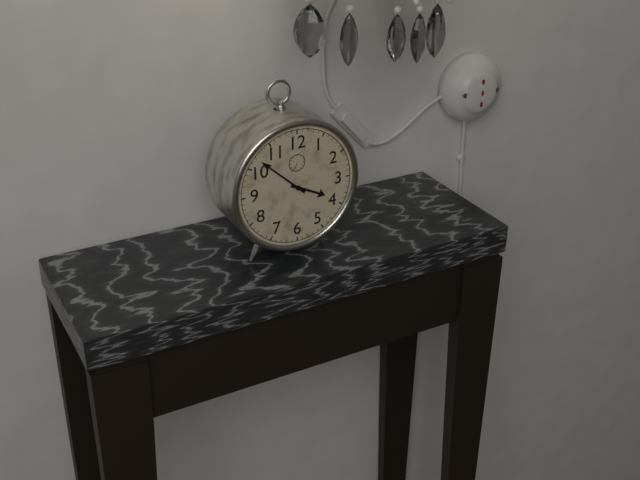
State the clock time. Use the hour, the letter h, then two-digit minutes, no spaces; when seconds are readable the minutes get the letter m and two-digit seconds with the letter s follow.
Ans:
3h52
